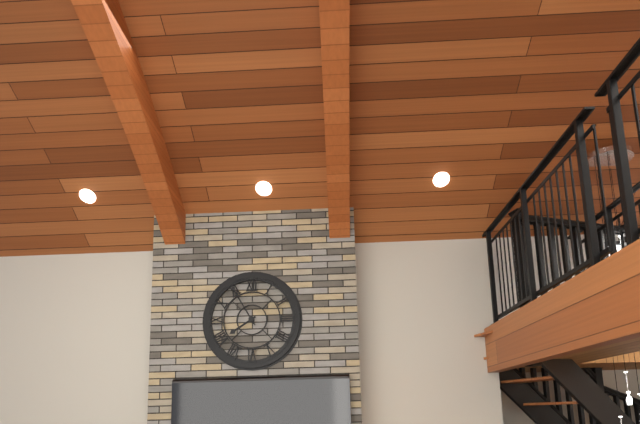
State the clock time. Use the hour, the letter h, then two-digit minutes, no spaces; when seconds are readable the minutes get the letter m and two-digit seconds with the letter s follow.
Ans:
7h55
